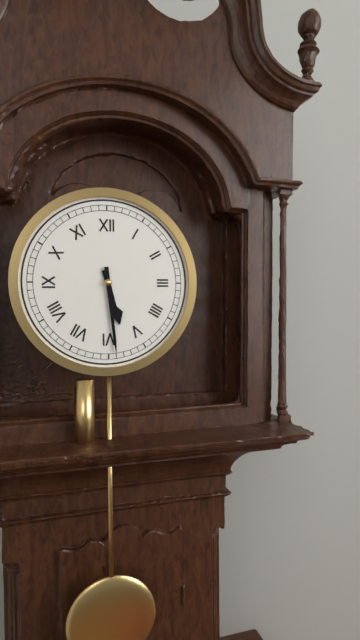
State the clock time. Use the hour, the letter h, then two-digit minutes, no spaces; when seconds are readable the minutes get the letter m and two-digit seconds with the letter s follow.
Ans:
5h29
